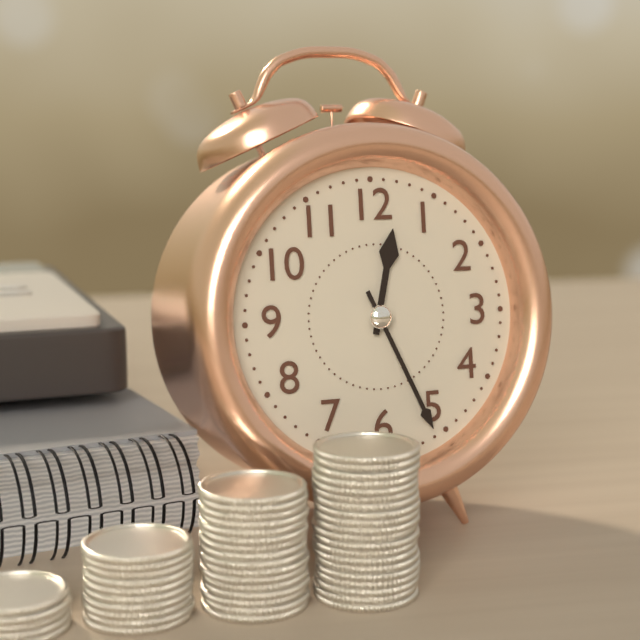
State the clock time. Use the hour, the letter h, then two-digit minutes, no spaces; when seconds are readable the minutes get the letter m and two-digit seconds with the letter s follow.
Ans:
12h26
